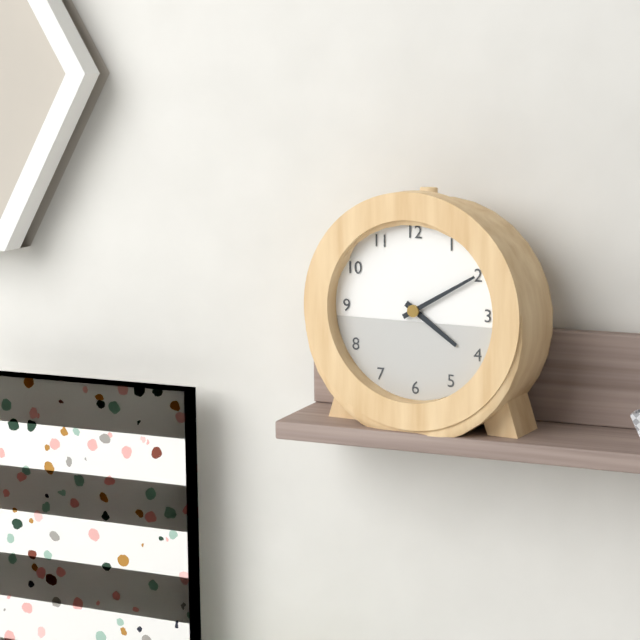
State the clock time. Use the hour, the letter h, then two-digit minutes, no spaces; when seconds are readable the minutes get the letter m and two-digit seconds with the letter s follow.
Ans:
4h10
